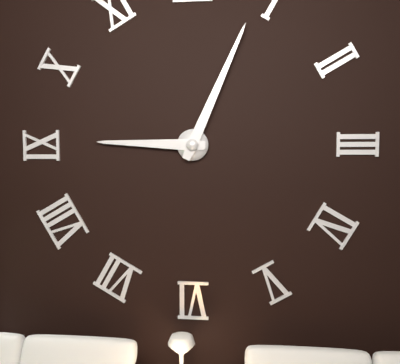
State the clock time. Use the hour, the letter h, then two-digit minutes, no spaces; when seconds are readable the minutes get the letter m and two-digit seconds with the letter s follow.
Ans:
9h04
